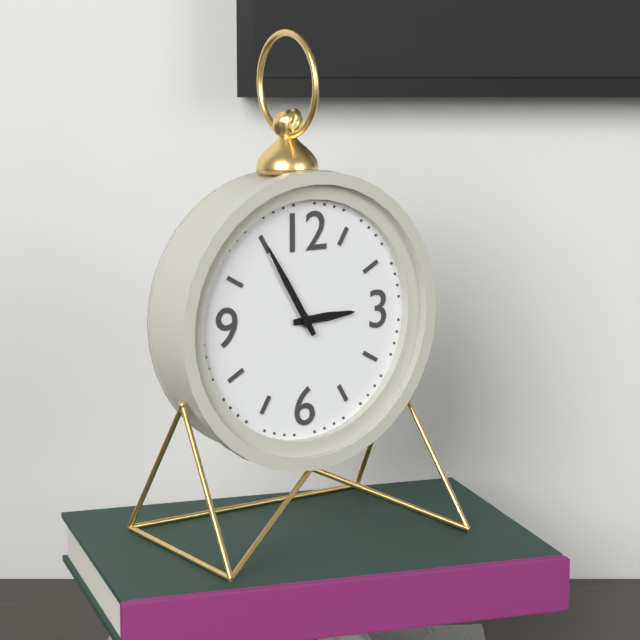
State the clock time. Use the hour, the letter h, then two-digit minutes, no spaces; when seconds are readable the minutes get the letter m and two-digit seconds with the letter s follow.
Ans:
2h55
